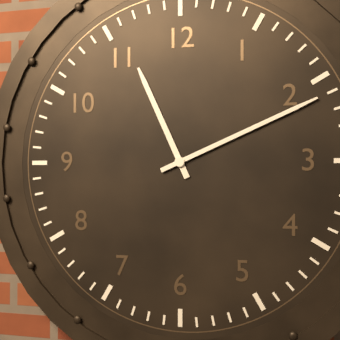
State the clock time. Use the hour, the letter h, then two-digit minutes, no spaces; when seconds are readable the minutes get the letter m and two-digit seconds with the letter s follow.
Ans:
11h11
